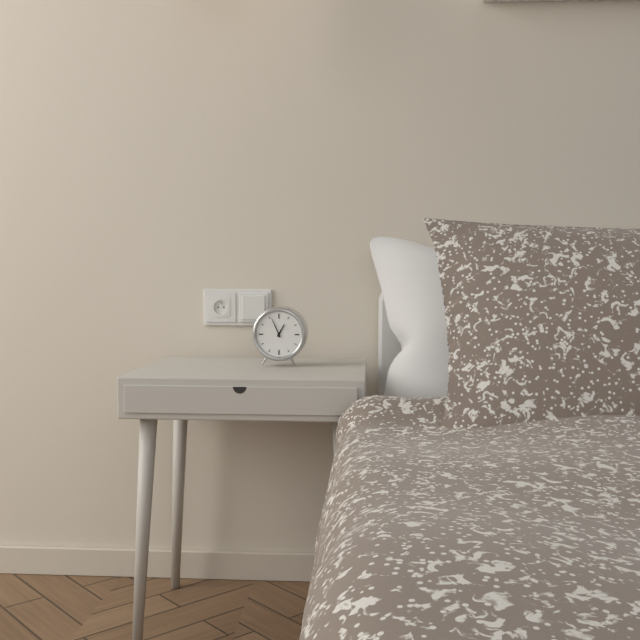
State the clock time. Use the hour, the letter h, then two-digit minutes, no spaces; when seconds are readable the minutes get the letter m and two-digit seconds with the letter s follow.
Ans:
12h56
